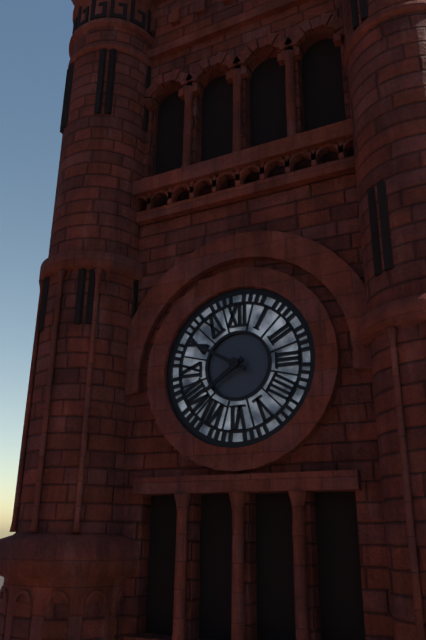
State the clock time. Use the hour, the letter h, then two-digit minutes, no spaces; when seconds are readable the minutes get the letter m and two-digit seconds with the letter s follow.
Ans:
7h50
